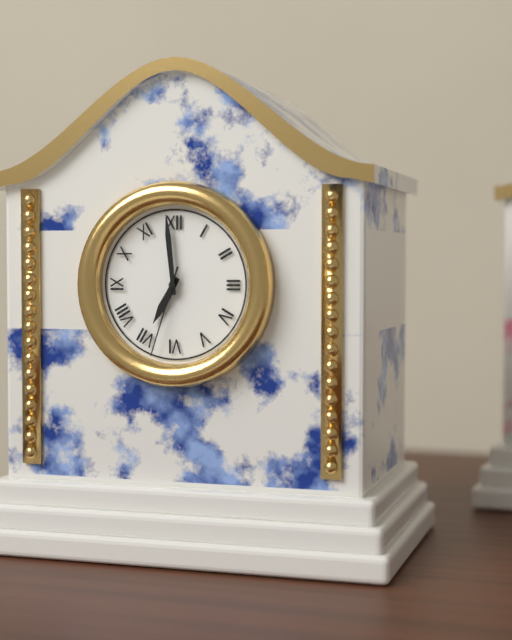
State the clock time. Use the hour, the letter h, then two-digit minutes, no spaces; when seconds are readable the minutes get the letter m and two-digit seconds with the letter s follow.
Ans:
6h59m33s
